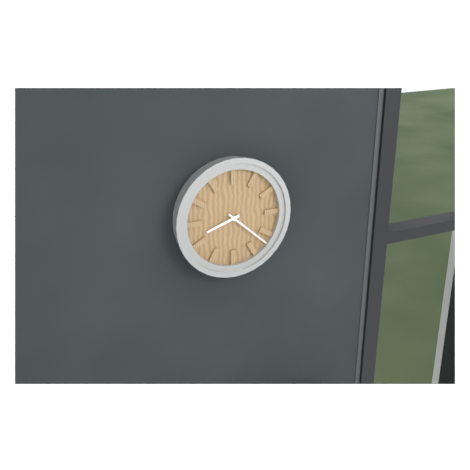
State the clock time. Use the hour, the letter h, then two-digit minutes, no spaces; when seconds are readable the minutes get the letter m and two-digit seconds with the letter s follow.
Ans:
8h22
